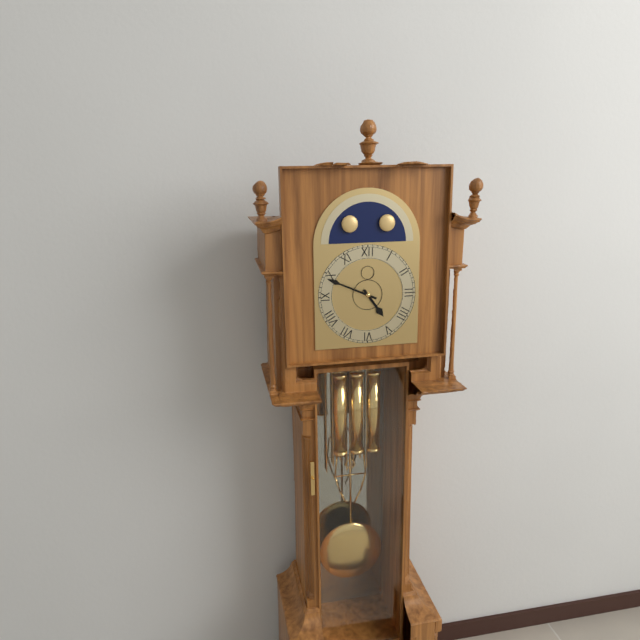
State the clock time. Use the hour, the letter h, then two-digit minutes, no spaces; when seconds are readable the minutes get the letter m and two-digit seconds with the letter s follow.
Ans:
4h49
